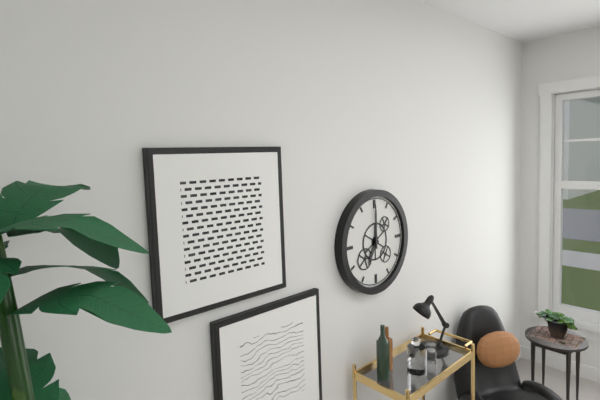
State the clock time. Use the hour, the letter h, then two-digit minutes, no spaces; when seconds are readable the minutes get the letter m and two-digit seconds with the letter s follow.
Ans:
7h00
